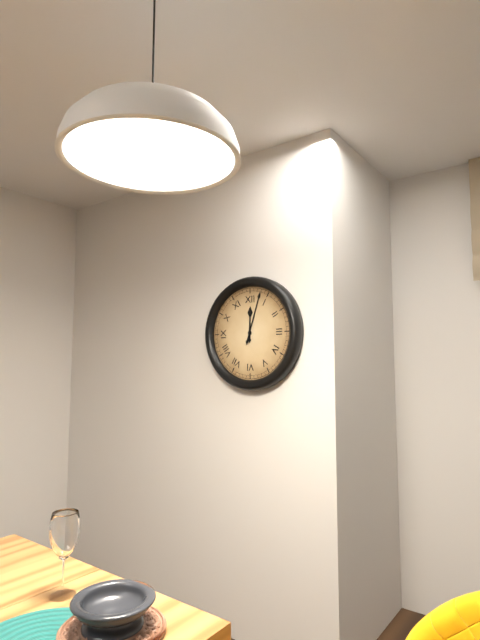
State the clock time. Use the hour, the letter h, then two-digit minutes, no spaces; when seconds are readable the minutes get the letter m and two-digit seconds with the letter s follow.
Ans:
12h03
